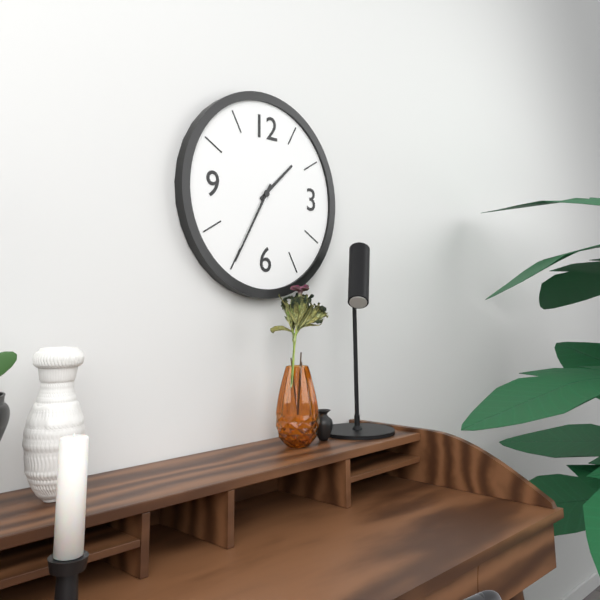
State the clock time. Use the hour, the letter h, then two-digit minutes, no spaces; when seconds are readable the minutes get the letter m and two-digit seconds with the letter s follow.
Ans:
1h35
